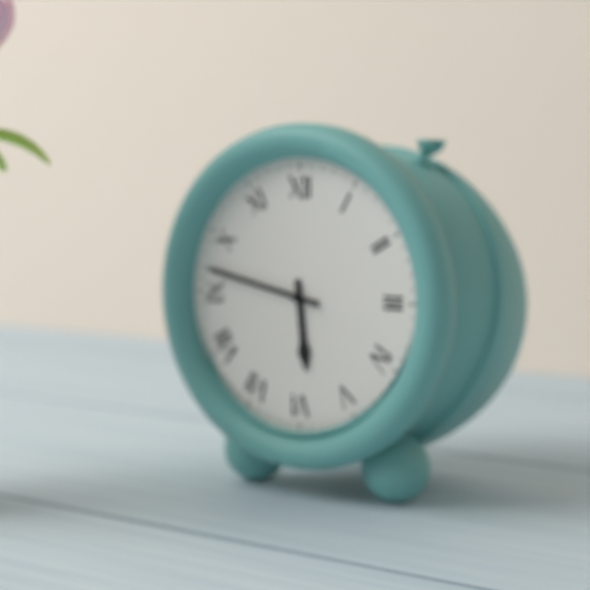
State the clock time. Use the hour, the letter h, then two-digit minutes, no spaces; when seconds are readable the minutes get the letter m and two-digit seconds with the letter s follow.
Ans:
5h47
